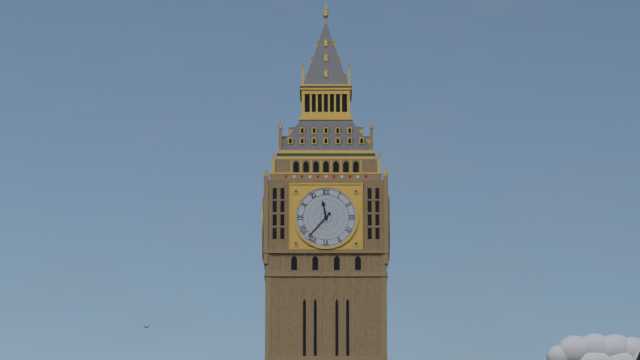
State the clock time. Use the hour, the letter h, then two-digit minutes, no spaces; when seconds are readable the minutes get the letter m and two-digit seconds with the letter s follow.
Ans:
11h37
